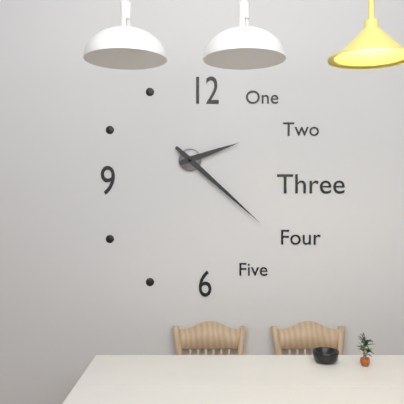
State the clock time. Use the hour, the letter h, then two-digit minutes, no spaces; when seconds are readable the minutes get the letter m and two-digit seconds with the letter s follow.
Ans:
2h22
